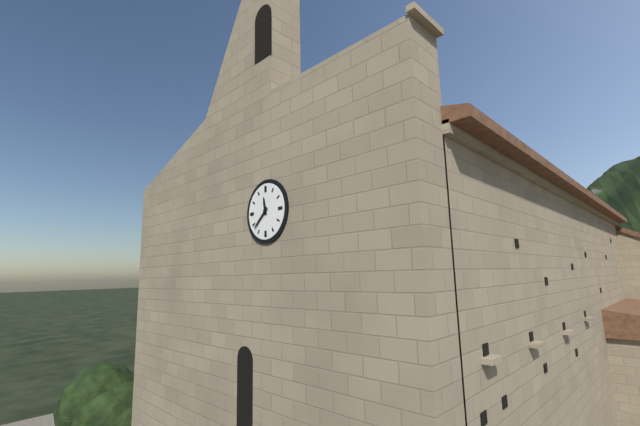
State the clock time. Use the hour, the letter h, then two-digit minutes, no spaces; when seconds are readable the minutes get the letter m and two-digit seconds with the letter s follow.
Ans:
11h38
